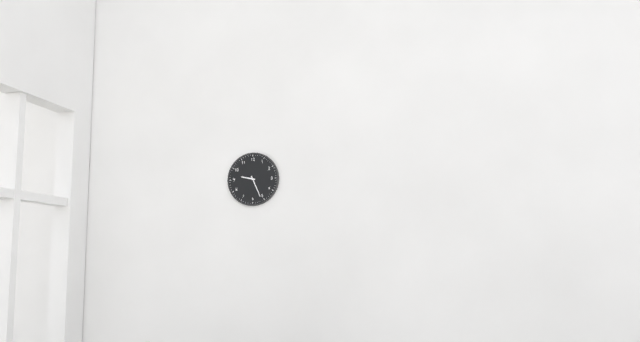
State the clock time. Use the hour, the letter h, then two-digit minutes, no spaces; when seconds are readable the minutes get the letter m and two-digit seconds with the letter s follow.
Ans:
9h26
